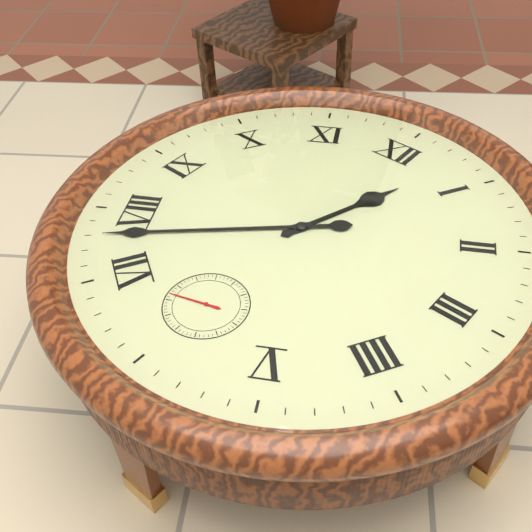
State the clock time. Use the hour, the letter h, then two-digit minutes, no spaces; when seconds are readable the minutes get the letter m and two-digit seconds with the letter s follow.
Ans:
12h38
